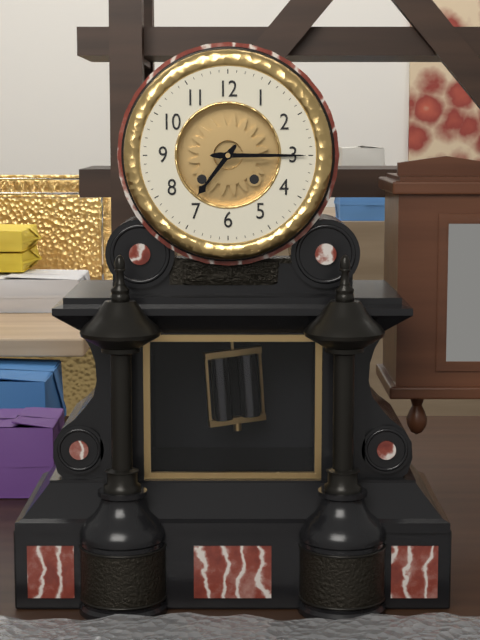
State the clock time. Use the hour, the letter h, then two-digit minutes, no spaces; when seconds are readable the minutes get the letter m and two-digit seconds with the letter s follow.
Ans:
7h15
